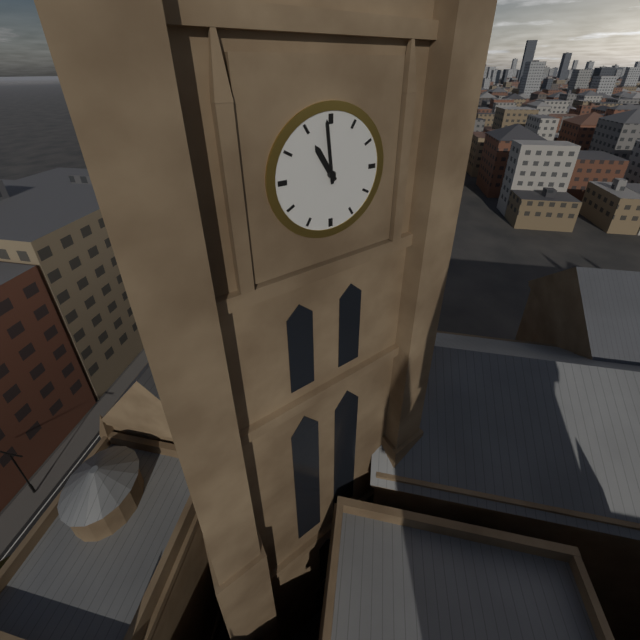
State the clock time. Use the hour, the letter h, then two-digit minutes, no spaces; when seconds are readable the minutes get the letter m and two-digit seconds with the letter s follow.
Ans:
10h59
